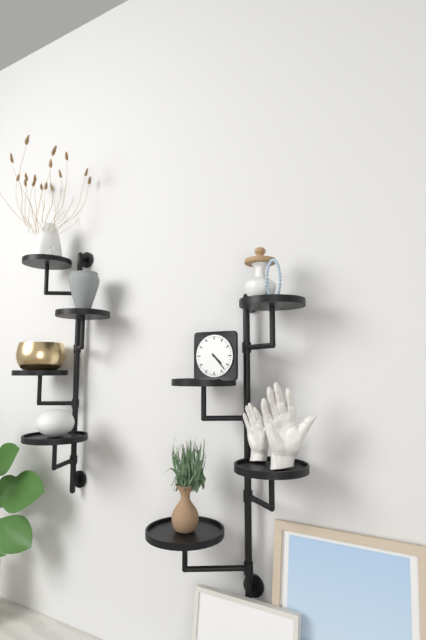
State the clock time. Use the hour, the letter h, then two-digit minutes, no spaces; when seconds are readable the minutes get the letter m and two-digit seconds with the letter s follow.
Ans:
4h23
